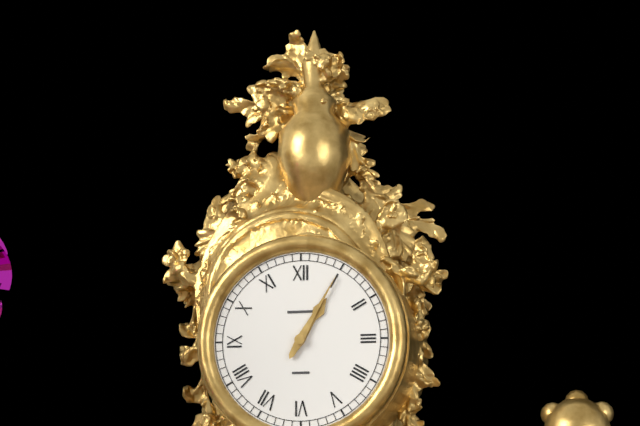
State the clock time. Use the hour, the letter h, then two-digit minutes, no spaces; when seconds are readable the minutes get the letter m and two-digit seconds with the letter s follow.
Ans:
1h05
